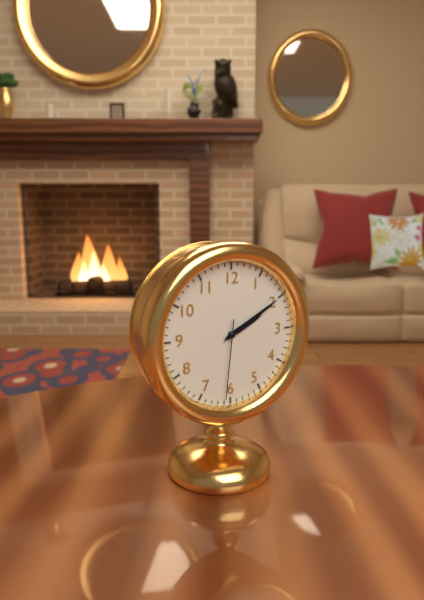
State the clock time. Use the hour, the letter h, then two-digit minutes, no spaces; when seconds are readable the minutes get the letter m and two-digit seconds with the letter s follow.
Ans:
2h10m31s
